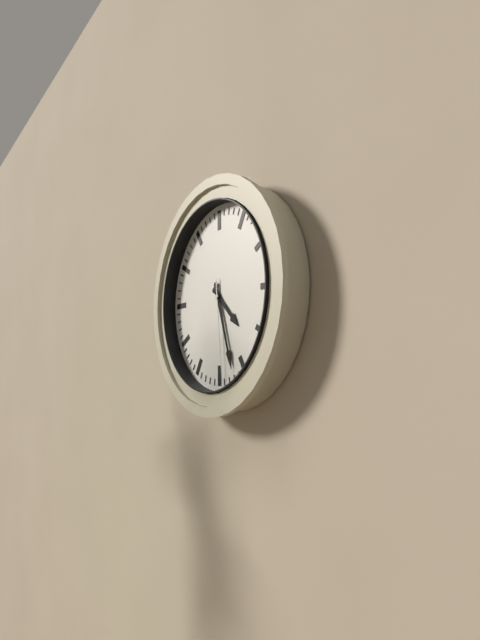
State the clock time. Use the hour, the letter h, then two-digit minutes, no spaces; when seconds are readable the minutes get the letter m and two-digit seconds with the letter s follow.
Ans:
4h27m29s
